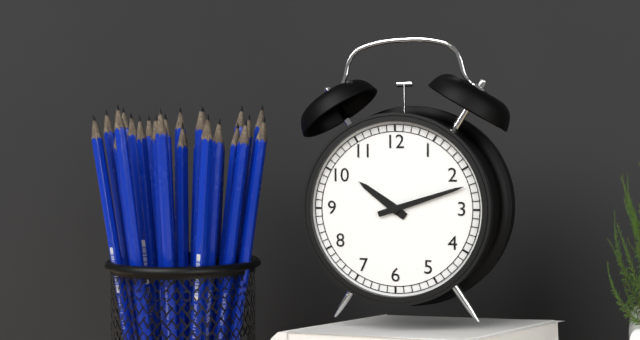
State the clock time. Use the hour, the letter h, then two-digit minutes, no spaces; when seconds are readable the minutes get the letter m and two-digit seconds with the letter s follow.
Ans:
10h12
